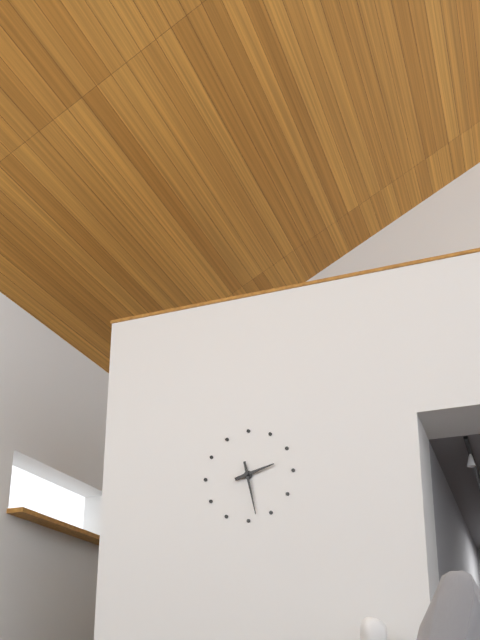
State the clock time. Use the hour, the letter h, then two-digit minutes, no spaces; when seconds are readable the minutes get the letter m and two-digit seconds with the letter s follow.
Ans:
2h28
